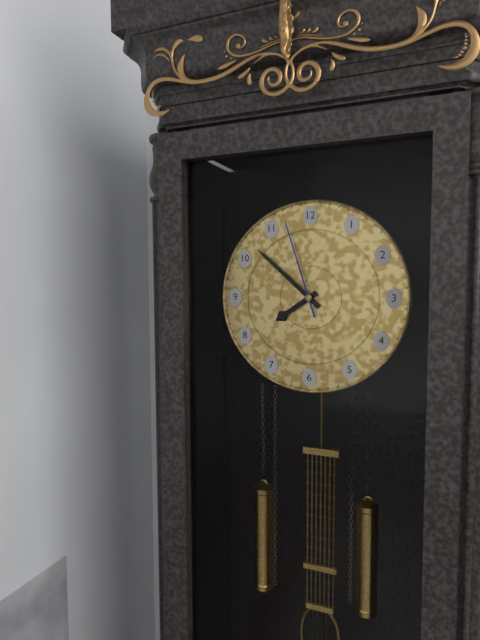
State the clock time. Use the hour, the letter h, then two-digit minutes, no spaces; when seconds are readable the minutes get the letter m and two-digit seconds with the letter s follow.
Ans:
7h52m57s
